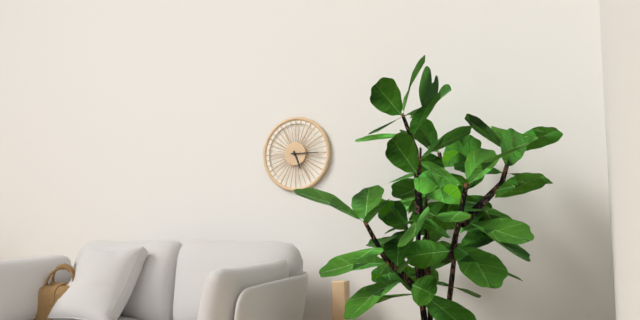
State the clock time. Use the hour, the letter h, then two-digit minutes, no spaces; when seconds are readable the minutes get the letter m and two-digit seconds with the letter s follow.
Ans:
5h15
